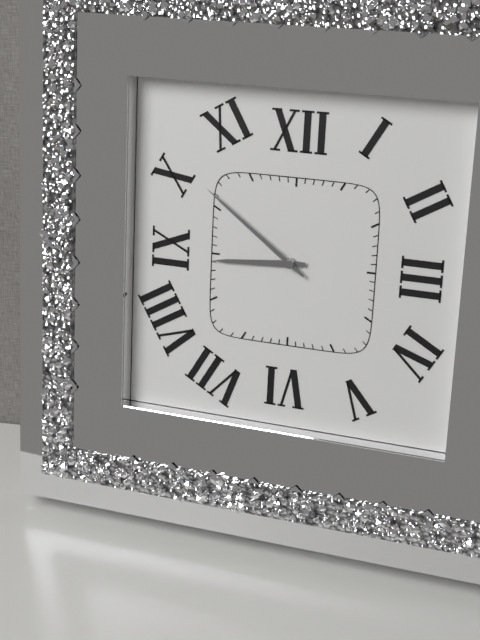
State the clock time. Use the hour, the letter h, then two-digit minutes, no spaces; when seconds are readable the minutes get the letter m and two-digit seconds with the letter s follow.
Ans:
8h51
